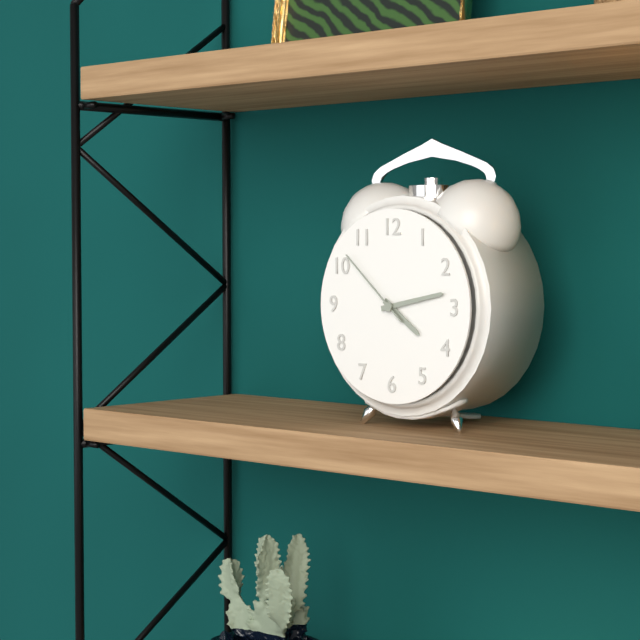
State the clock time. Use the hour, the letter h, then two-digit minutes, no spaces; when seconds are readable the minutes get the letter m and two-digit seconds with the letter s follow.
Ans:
4h13m52s
